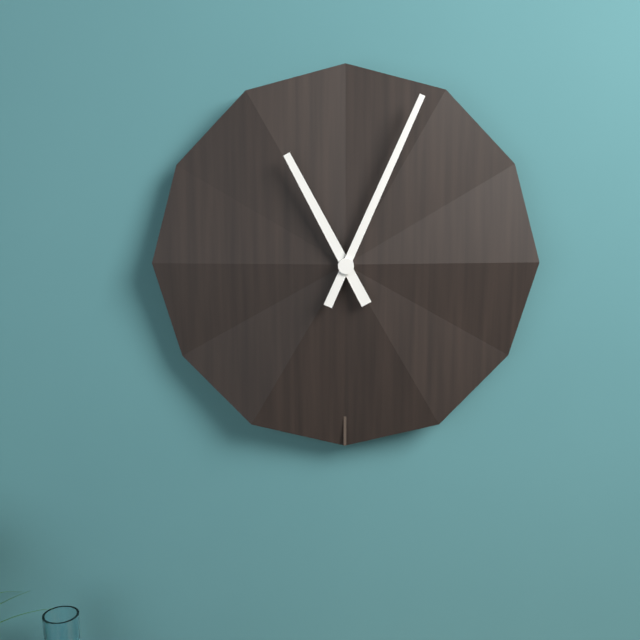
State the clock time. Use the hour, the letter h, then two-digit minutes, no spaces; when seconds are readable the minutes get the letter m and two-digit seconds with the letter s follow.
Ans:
11h04
